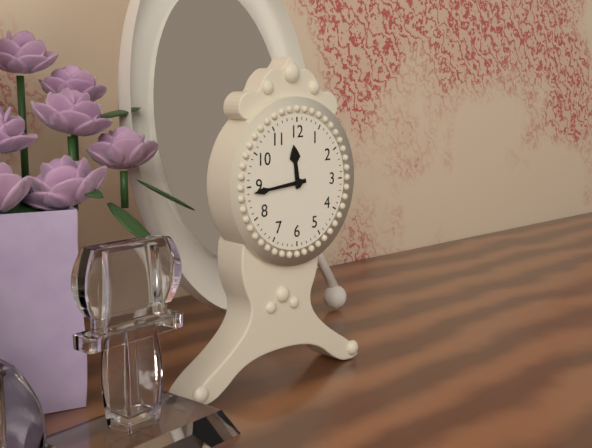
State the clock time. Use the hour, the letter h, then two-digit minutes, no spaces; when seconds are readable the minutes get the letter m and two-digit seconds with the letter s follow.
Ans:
11h44
